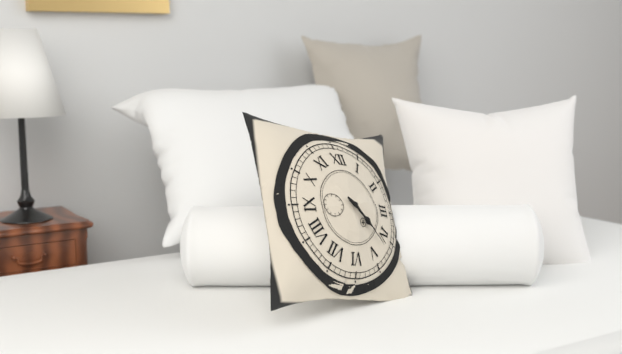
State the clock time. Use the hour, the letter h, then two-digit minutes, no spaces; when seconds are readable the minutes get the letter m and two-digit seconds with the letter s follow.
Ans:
4h22
